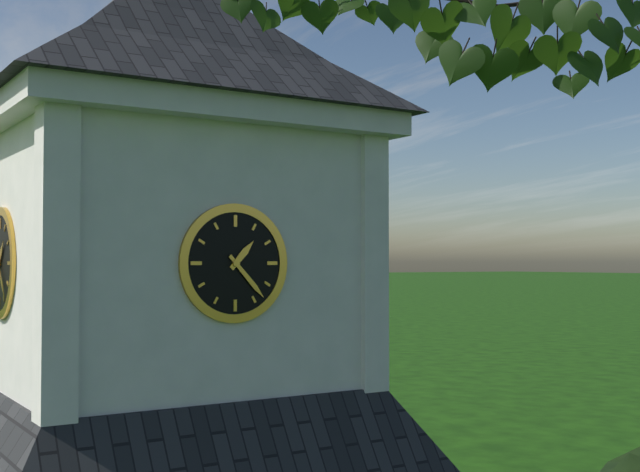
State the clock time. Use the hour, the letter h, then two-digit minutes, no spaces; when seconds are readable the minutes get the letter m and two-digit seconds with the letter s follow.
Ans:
1h23
